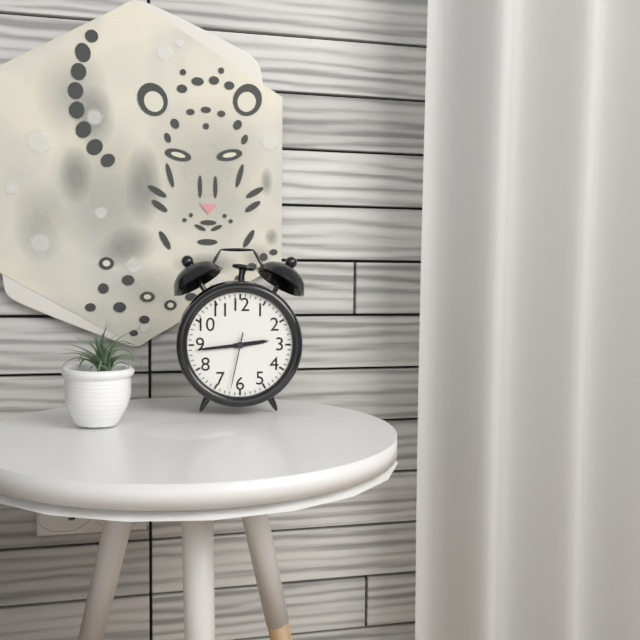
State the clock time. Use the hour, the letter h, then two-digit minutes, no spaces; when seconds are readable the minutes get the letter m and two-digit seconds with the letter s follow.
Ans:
2h44m32s
